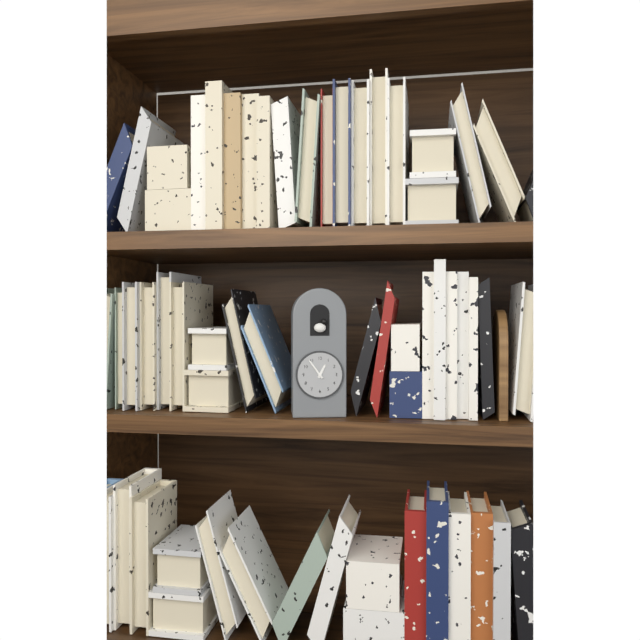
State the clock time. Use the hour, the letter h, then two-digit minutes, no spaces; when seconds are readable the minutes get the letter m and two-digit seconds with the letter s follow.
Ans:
12h54
